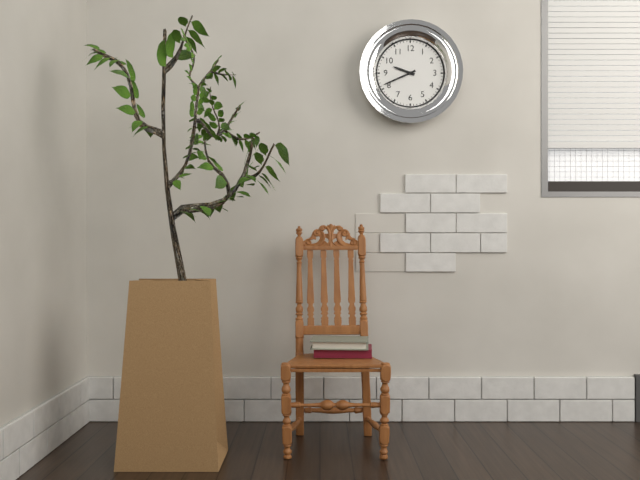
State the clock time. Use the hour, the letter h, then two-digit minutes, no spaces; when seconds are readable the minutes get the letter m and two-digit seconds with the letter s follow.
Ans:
9h41
